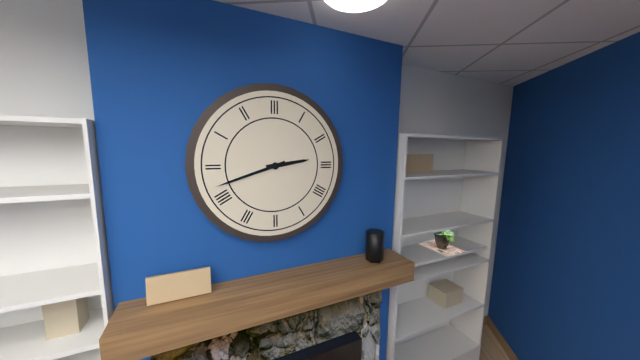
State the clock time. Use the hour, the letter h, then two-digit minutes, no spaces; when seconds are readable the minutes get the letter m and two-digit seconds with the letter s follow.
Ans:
2h42
